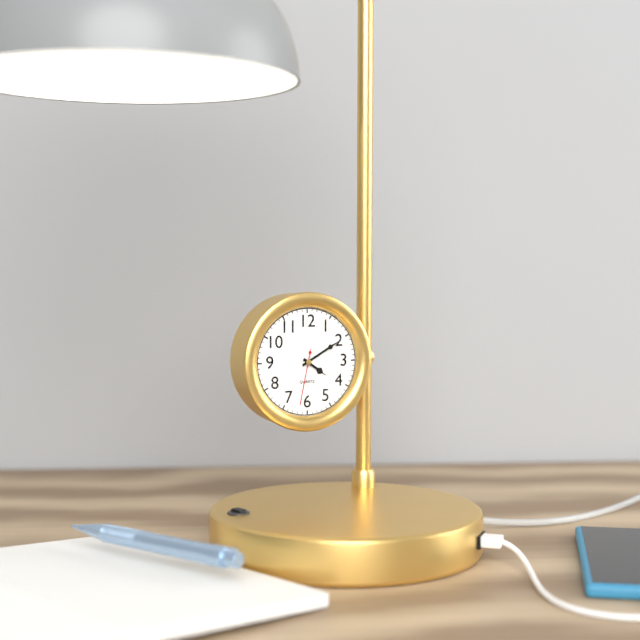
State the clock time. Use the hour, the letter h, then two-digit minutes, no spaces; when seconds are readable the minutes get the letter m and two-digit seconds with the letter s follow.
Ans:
4h10m32s
